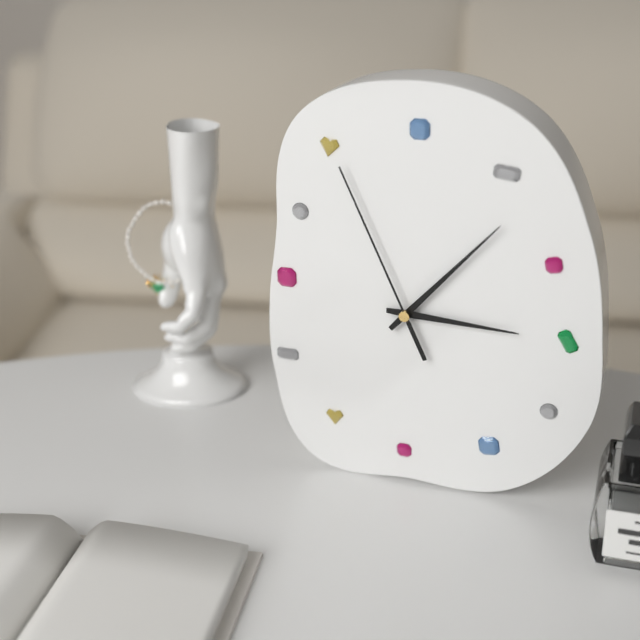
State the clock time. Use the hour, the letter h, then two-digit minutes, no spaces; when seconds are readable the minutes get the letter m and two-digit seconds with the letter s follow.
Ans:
3h07m56s
